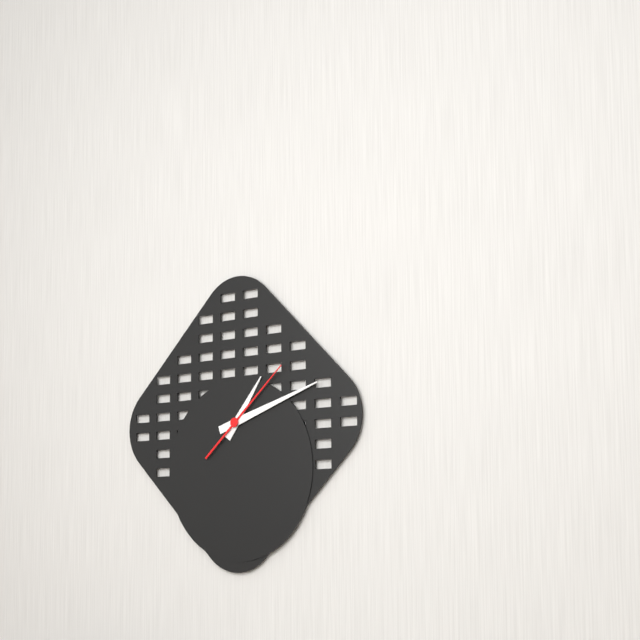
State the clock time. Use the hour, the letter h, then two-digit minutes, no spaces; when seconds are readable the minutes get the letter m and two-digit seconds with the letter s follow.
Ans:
1h12m08s
